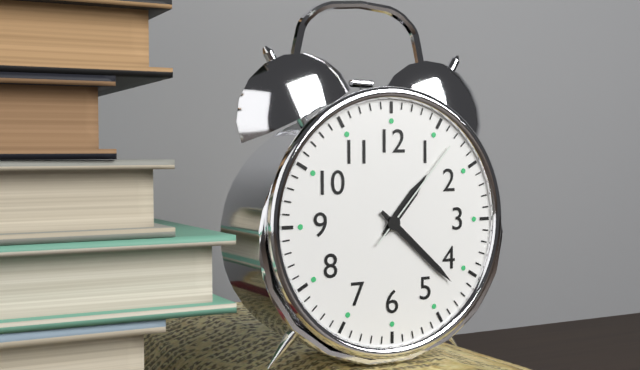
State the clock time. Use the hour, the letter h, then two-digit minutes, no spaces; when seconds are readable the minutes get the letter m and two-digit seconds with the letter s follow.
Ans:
1h22m07s
